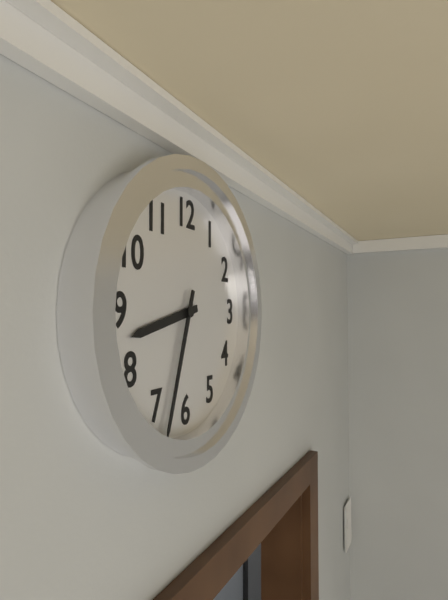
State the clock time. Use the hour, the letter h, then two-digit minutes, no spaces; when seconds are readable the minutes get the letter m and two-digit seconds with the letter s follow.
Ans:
8h33
